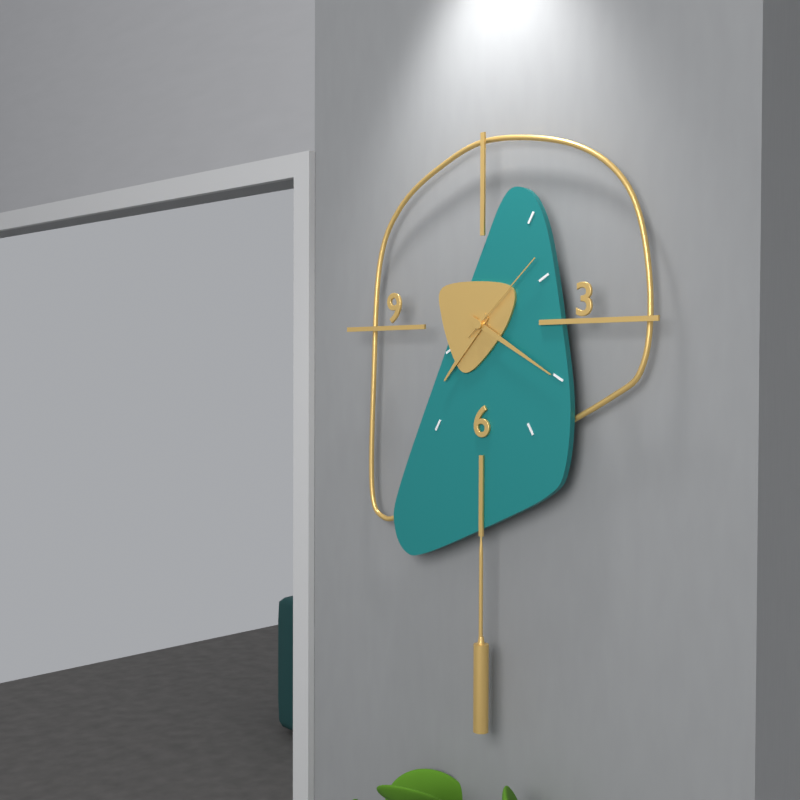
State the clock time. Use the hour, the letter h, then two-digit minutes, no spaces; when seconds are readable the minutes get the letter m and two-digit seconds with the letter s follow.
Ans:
7h20m08s
